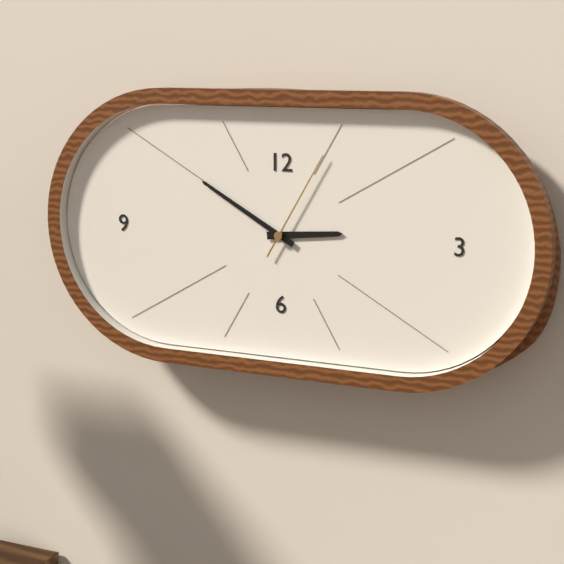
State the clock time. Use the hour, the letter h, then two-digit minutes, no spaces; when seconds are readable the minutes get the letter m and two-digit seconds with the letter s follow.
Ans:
2h50m05s
